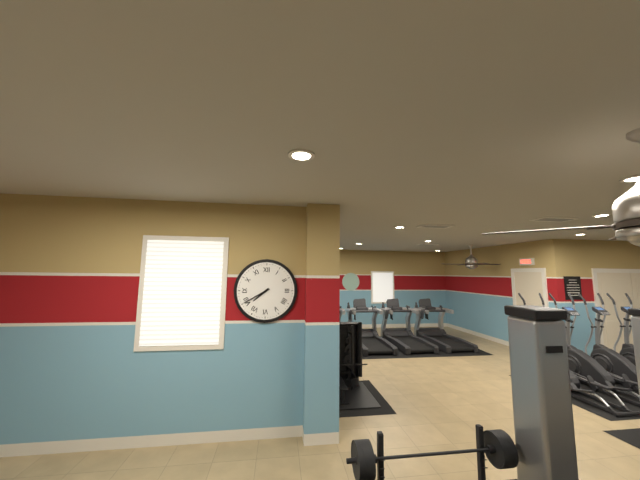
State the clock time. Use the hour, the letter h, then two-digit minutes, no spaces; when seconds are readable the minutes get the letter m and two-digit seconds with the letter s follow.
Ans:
7h40
